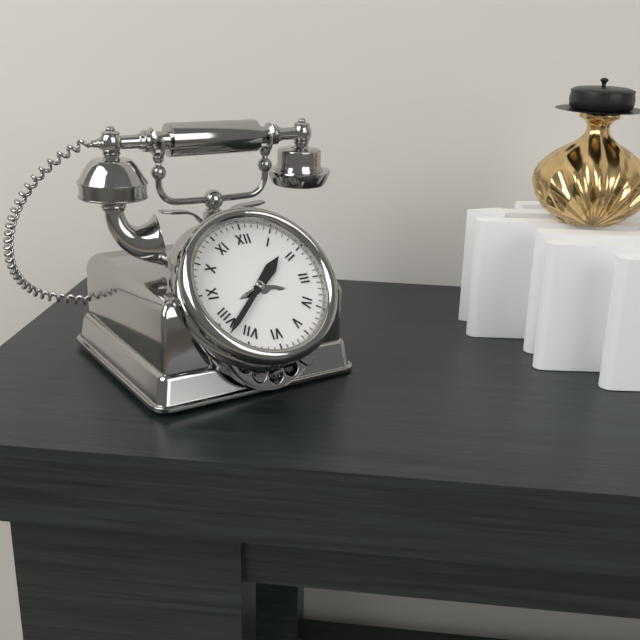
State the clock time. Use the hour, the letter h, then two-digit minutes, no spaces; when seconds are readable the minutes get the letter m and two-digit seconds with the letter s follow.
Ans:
1h38
